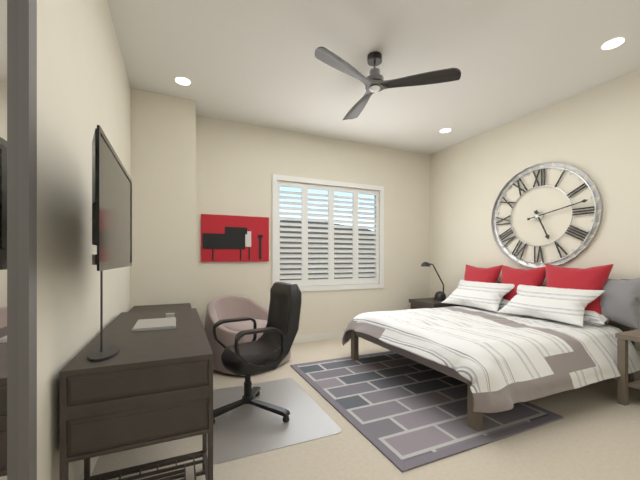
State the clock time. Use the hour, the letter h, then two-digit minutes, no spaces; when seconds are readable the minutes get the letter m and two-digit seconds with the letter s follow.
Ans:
5h13
